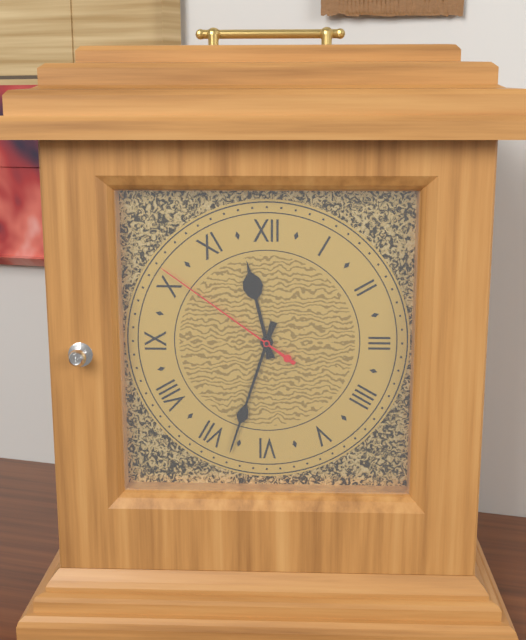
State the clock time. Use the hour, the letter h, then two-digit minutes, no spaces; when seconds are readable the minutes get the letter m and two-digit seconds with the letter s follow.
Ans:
11h33m51s
